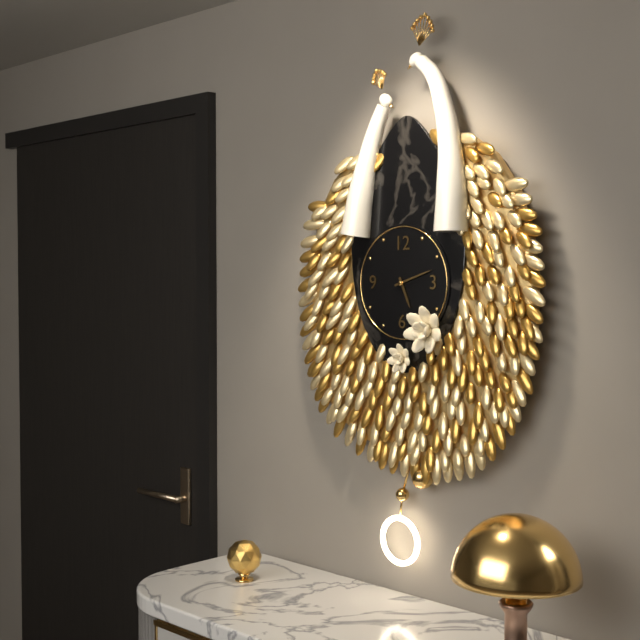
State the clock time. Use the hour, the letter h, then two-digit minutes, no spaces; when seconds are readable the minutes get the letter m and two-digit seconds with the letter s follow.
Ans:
5h12
